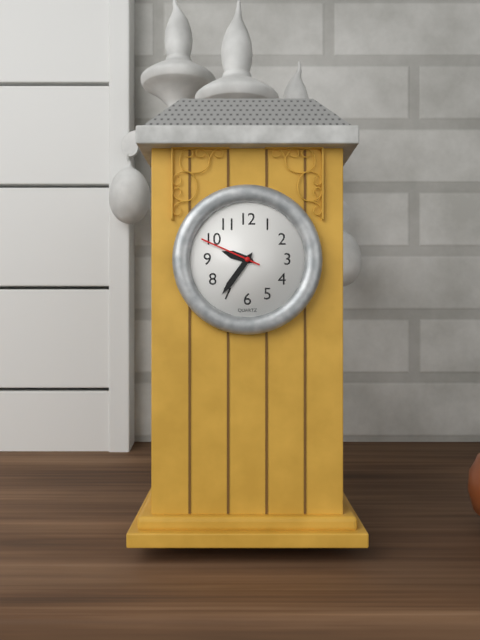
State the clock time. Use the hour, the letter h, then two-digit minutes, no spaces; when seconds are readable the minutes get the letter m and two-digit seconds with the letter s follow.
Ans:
9h36m49s
